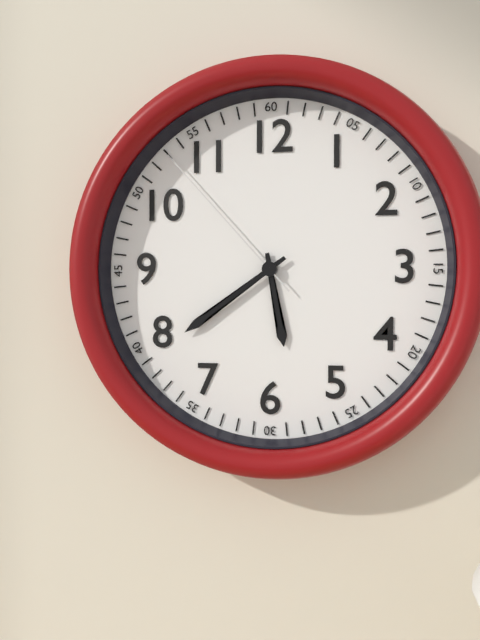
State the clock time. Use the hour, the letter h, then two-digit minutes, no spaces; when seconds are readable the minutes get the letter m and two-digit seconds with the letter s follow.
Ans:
5h39m53s
